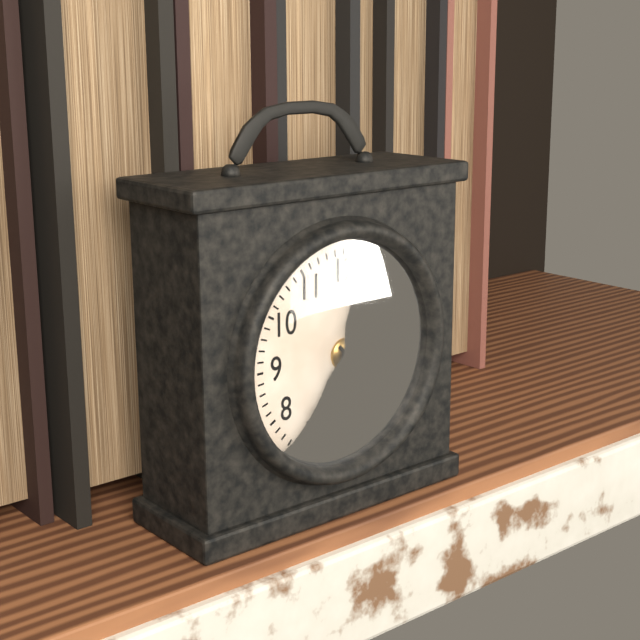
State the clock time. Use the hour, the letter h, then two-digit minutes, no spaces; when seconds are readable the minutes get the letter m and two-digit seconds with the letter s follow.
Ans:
4h36
